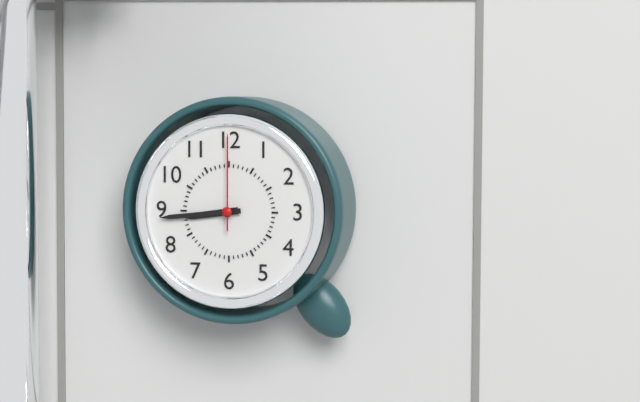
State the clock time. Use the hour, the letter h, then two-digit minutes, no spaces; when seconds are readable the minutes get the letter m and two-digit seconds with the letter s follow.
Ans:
8h44m00s
